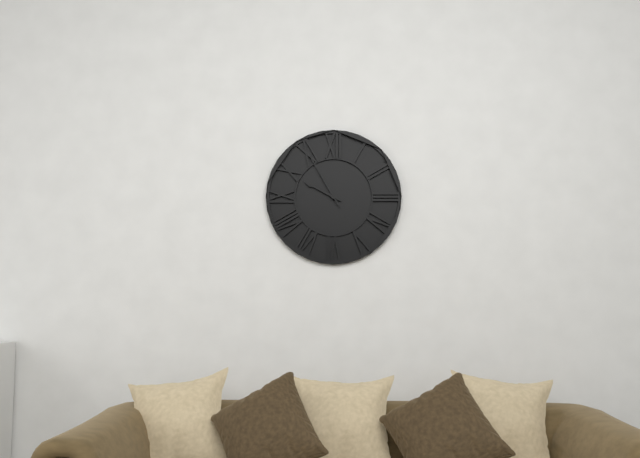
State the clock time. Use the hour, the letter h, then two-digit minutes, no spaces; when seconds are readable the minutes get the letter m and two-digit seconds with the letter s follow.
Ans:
9h55
